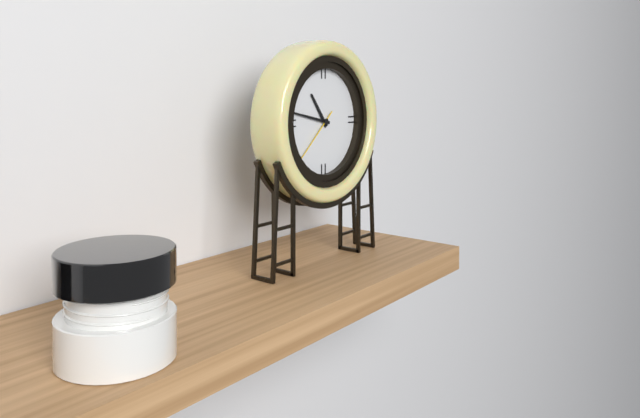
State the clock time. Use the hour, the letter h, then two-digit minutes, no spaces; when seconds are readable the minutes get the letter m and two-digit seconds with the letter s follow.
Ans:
10h47m38s
